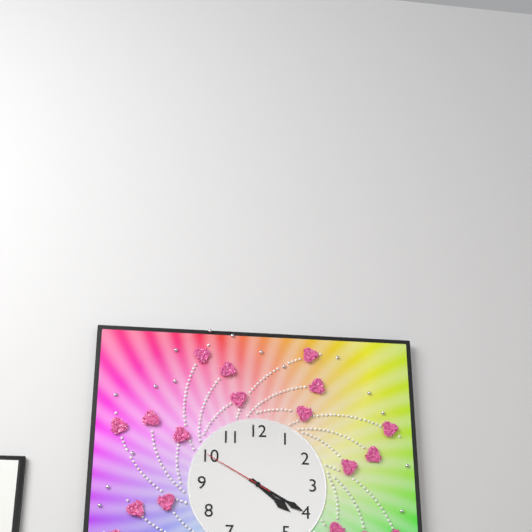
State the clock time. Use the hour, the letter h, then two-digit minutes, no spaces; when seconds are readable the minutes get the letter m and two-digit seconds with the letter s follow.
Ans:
4h20m50s
